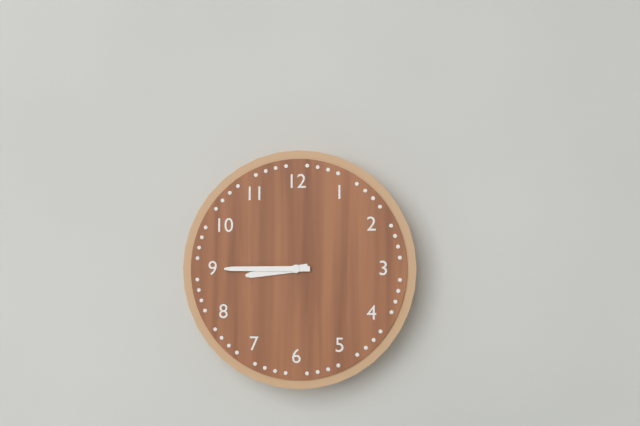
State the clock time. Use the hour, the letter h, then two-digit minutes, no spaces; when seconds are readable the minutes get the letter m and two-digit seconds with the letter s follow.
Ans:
8h45
